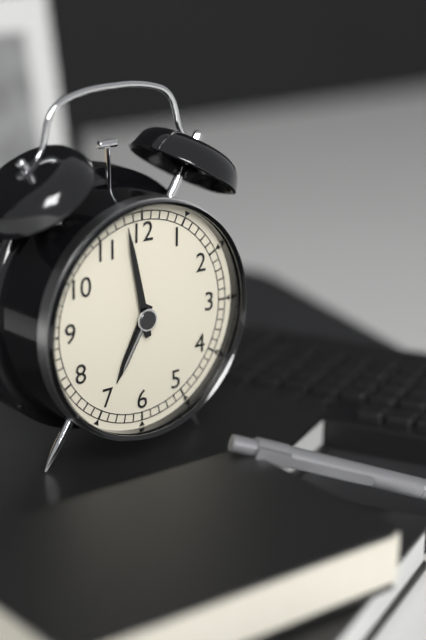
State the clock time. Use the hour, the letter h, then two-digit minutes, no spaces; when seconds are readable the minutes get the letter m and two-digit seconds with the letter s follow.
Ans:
6h58
